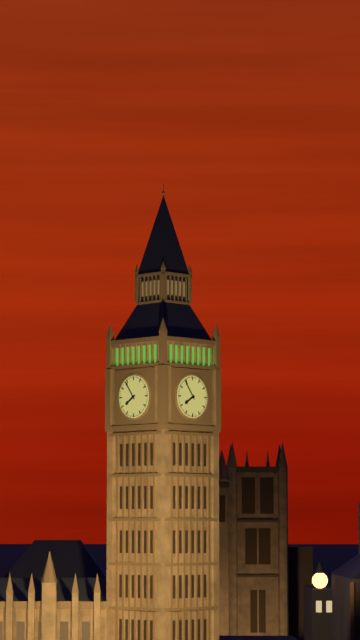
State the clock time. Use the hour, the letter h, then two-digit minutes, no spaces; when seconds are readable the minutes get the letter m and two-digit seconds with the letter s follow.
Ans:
7h54
